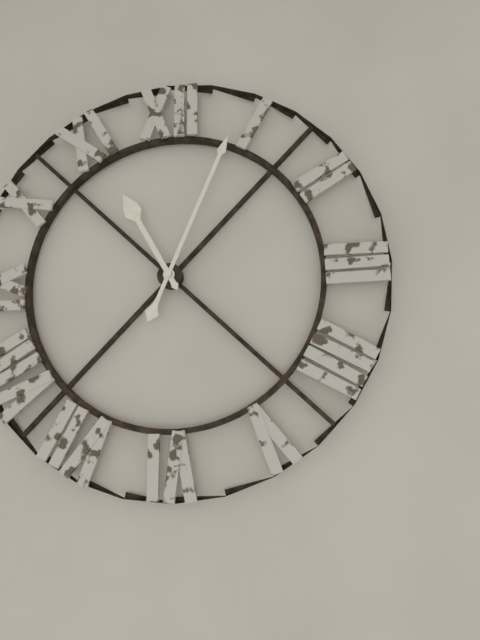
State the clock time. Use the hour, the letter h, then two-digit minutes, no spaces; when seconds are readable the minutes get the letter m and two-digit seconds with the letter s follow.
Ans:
11h04
